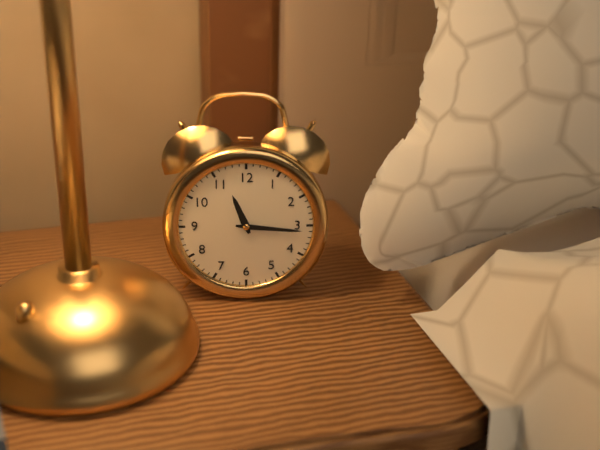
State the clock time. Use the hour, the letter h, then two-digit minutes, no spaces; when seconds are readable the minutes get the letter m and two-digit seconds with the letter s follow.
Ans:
11h16
